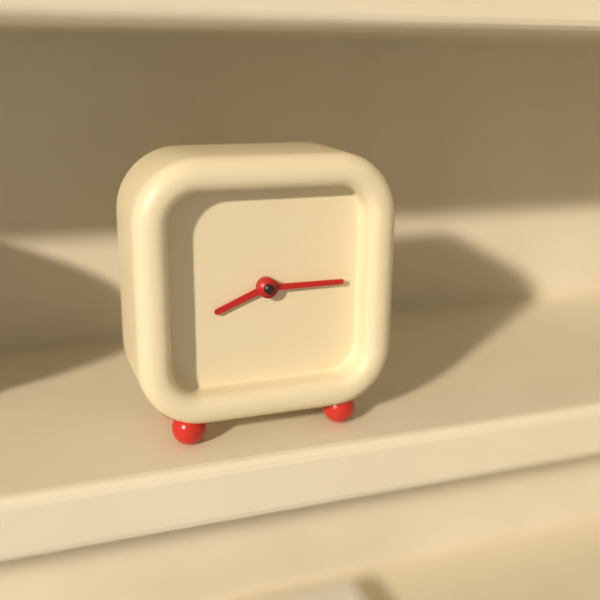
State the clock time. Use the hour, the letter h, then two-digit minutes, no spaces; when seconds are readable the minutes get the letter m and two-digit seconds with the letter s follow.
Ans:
8h15
